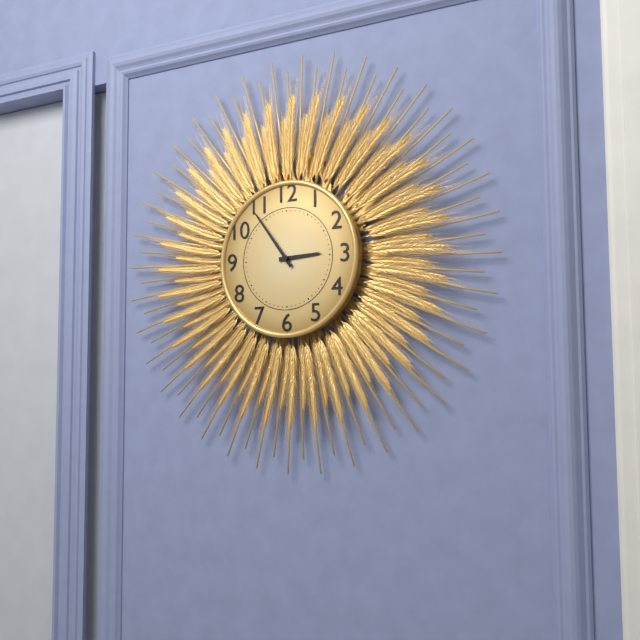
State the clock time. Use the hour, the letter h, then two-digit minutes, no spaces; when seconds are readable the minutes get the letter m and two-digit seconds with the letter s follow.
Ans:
2h54
